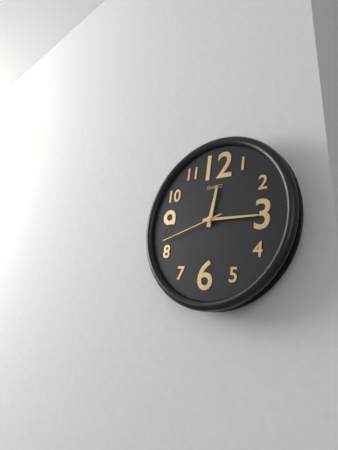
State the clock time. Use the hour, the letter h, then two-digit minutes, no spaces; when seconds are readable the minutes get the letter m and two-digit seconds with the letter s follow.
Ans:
12h15m42s
